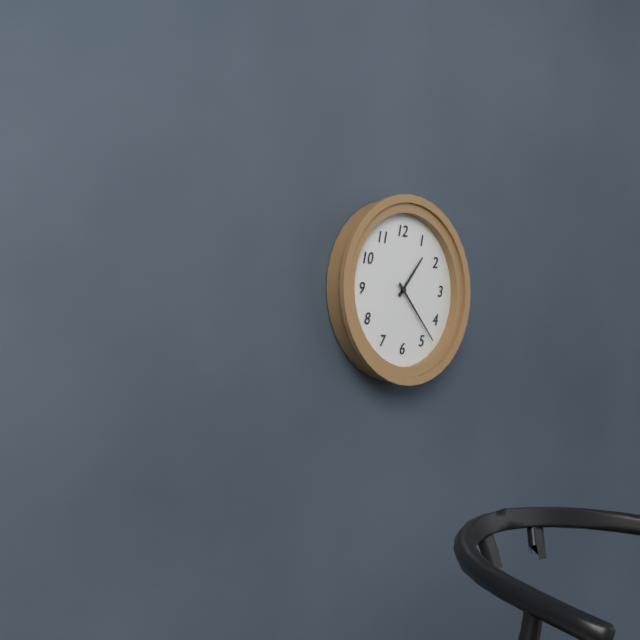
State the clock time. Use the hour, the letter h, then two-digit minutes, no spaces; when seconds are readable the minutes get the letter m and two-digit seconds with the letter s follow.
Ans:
1h23
